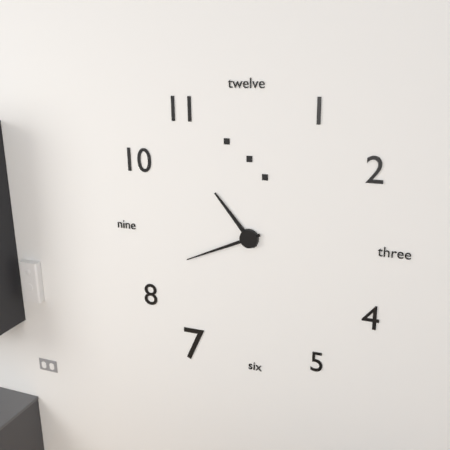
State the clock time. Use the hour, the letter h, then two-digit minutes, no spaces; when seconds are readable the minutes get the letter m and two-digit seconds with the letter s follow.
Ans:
10h41
